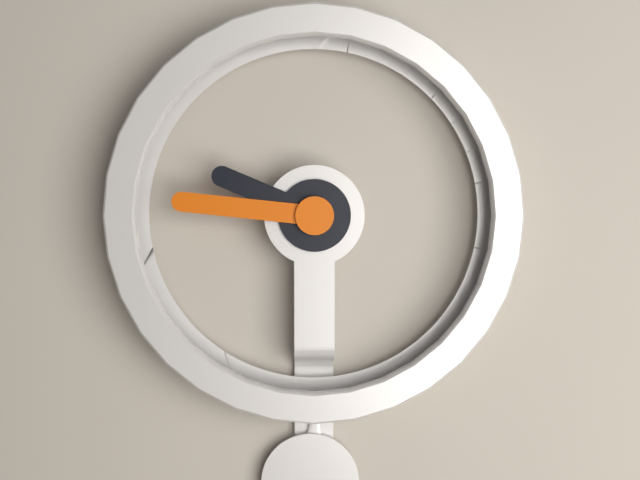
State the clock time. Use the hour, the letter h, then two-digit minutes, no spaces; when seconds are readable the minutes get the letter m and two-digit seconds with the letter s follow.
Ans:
9h46
